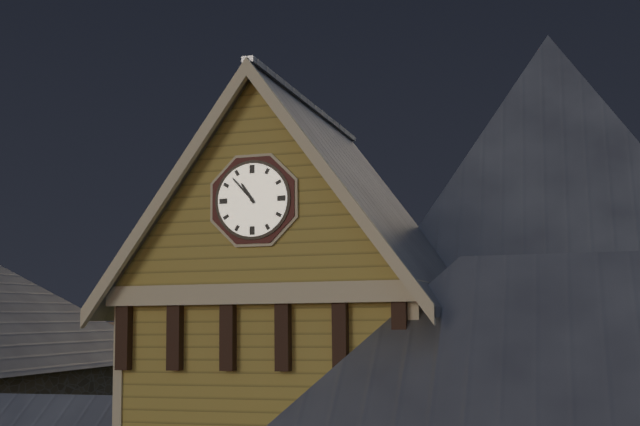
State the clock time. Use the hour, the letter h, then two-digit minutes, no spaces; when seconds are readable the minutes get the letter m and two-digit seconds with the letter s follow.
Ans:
10h53
